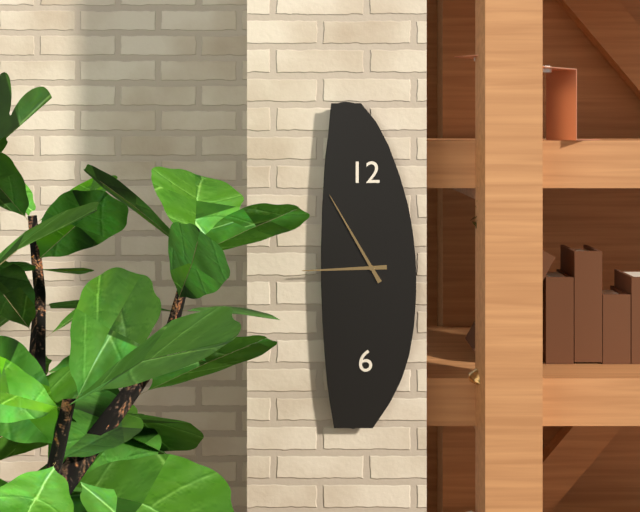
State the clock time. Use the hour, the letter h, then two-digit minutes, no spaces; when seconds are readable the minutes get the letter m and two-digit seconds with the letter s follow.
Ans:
8h55
